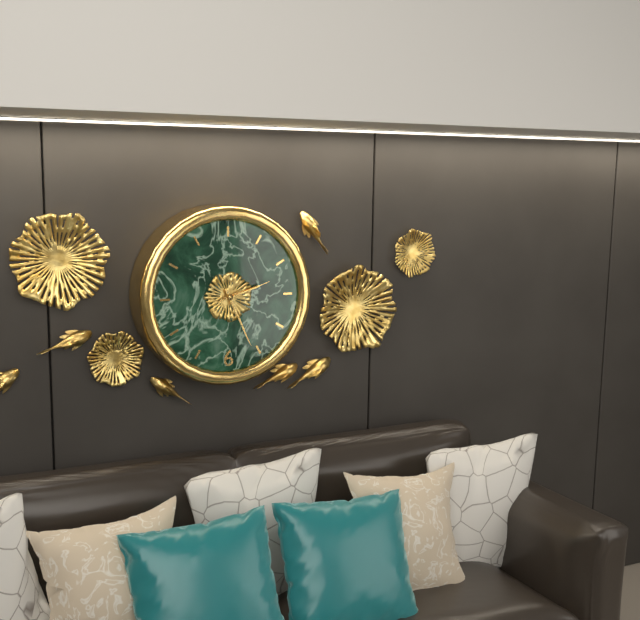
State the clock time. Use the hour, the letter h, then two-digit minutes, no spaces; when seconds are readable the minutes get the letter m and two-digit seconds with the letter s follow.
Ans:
2h26m12s
